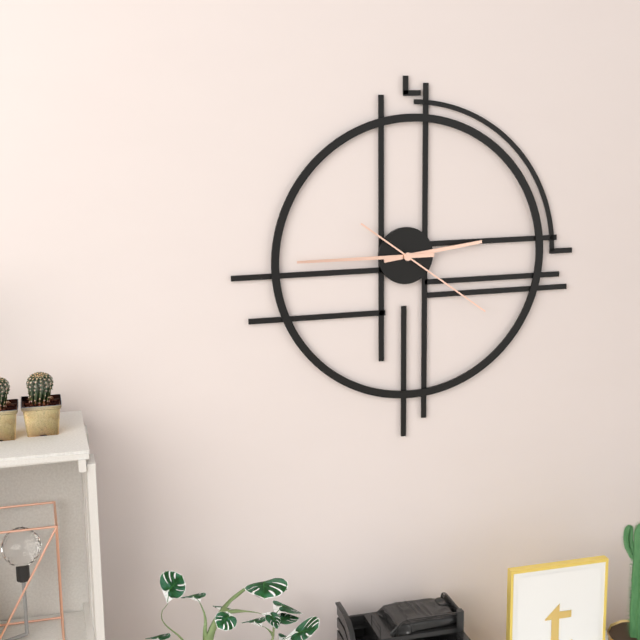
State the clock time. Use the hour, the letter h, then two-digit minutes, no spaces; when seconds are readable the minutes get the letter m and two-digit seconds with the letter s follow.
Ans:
2h45m21s
